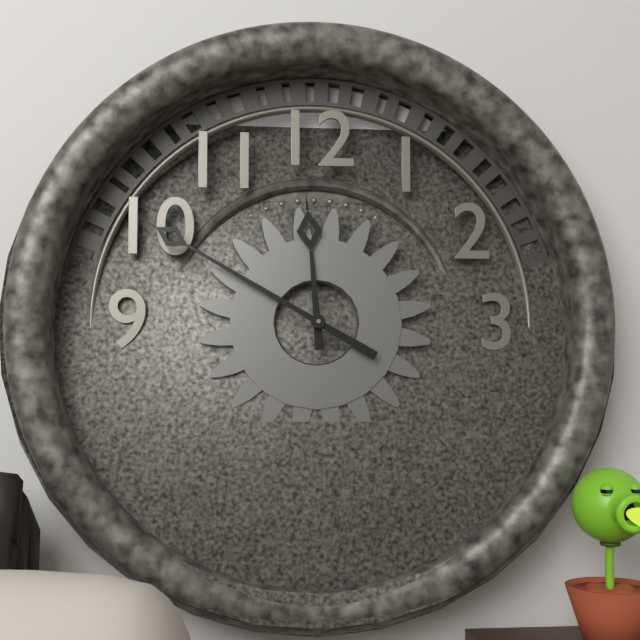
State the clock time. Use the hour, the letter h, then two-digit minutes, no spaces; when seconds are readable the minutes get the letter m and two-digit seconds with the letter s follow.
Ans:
11h50
